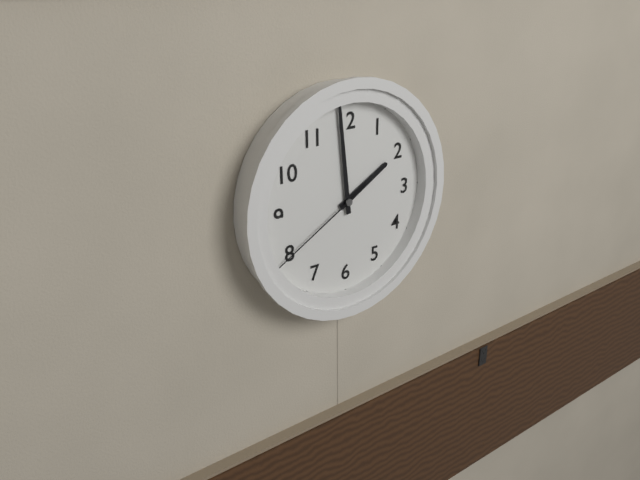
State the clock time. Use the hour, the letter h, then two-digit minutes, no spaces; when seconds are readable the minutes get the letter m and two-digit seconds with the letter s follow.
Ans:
1h59m40s
